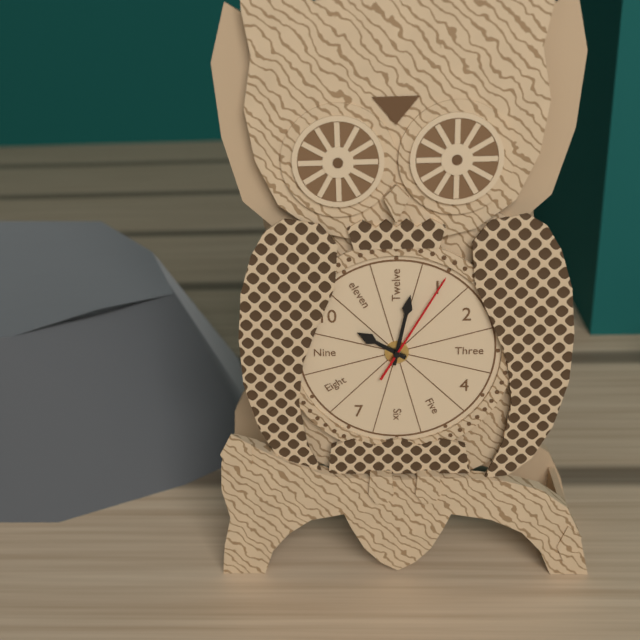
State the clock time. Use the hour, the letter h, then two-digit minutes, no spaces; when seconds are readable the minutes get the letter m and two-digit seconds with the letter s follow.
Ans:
10h02m05s
